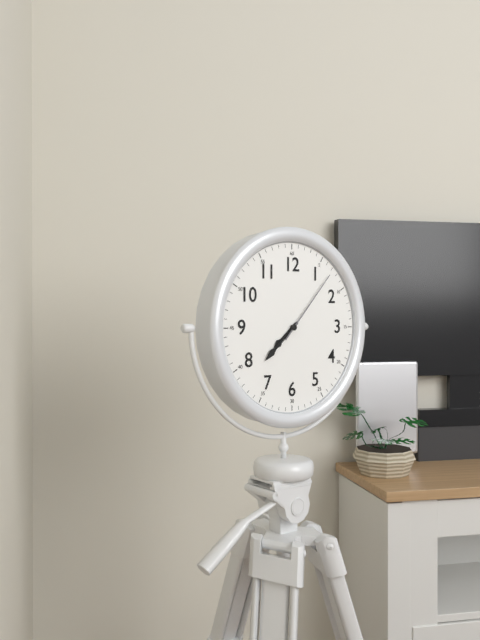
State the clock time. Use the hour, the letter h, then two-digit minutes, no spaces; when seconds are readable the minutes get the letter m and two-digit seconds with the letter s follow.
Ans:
7h38m07s
